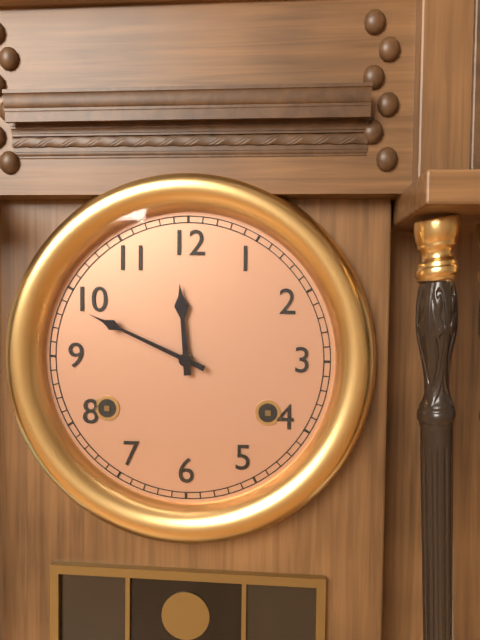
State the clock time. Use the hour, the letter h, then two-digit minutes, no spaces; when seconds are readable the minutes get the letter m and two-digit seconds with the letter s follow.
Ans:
11h49
